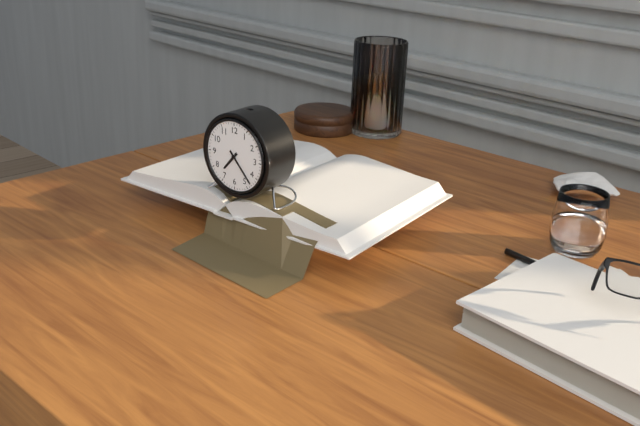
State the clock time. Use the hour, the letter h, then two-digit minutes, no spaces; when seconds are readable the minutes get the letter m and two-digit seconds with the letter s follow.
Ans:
7h23
